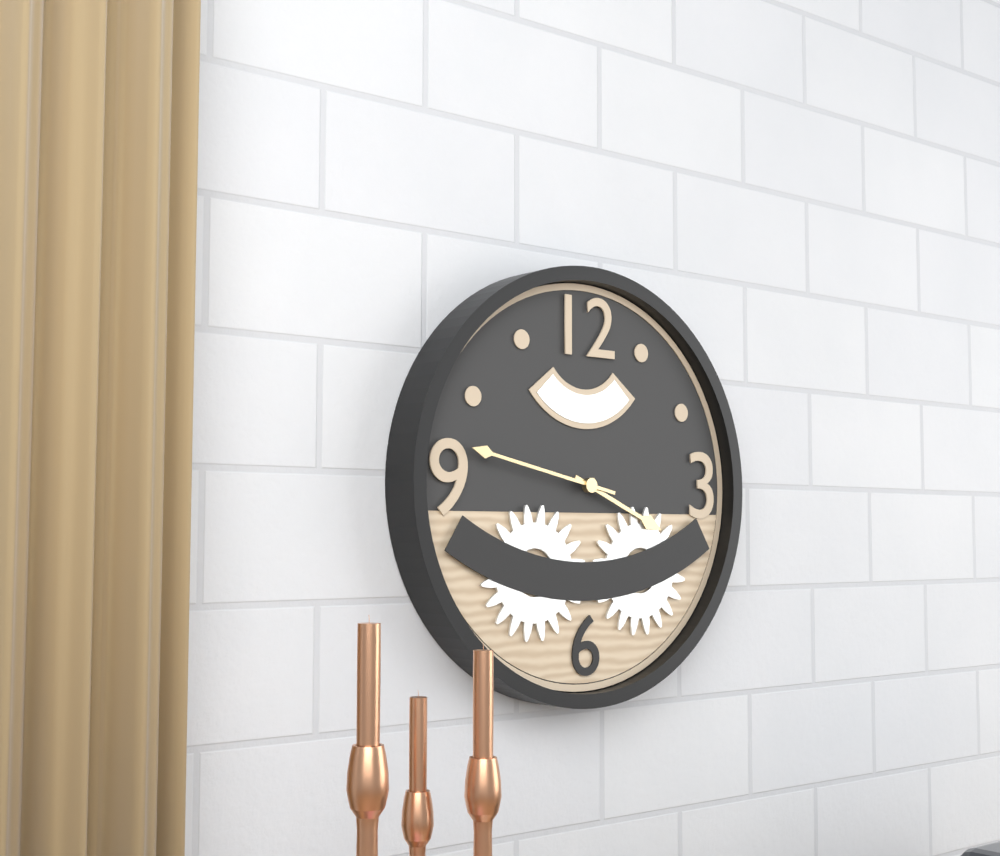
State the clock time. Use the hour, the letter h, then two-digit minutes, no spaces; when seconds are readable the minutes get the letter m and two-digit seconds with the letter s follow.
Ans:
3h47
